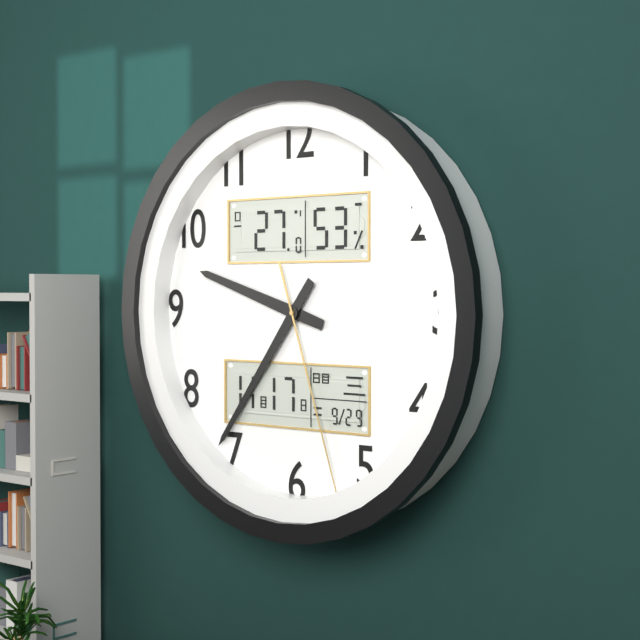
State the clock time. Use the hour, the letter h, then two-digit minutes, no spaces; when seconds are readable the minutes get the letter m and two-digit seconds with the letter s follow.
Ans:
9h36m27s
